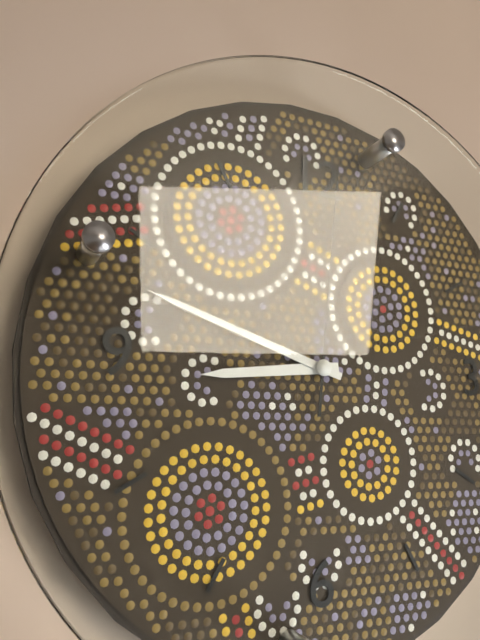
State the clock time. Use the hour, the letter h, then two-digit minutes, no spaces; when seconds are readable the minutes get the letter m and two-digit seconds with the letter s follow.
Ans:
8h48m01s
